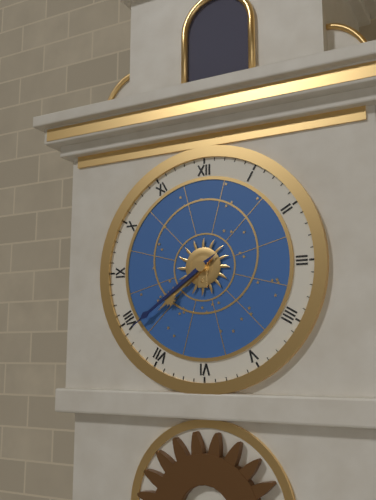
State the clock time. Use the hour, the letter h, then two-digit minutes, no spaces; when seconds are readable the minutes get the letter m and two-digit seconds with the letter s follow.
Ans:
7h39
